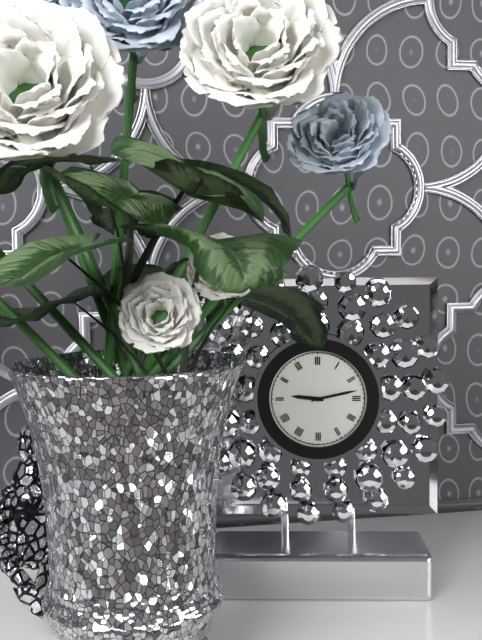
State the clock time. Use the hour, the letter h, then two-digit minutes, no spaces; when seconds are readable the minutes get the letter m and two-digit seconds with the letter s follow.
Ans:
9h13
